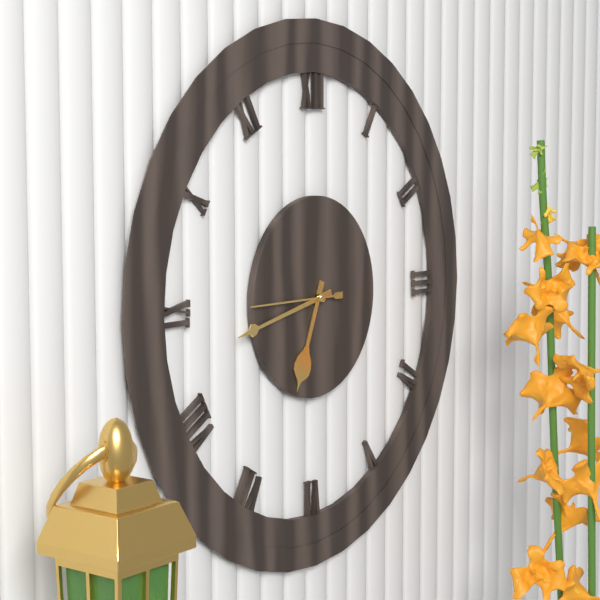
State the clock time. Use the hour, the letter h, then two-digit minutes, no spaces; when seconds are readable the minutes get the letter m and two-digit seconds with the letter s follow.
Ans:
6h43m45s
